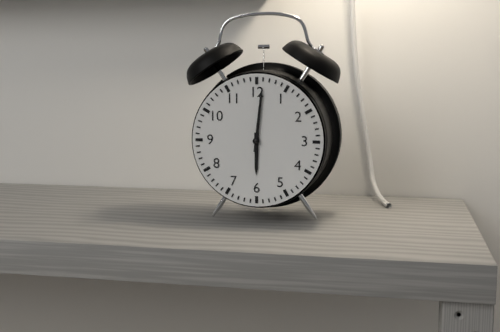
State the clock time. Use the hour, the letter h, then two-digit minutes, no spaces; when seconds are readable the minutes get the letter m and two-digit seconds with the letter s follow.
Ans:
6h01
